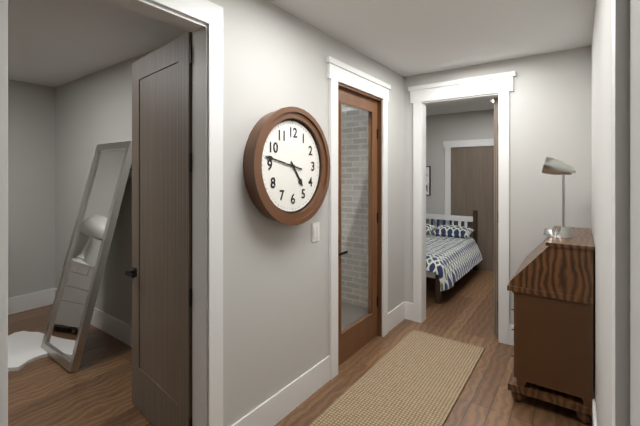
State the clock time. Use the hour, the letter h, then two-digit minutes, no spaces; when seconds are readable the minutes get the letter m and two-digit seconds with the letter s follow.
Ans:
4h47
